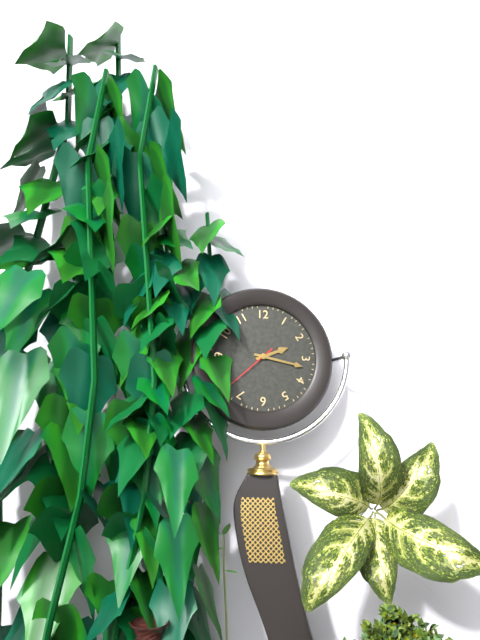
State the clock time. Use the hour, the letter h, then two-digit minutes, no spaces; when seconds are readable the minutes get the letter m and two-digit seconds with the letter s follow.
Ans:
2h17m38s
